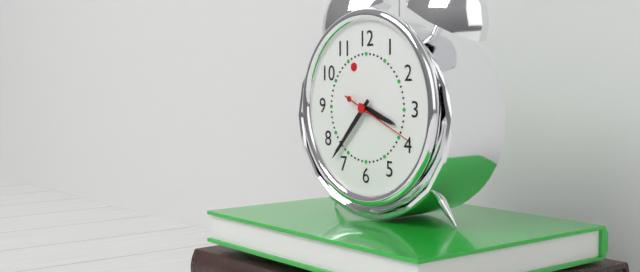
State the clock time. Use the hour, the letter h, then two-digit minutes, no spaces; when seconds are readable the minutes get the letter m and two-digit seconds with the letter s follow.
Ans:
3h37m19s
